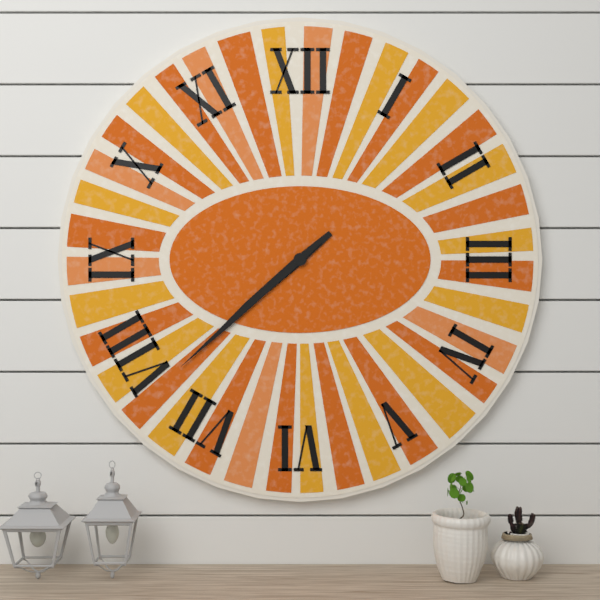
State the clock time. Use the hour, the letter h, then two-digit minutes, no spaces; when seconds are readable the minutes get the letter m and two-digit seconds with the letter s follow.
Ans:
7h38
